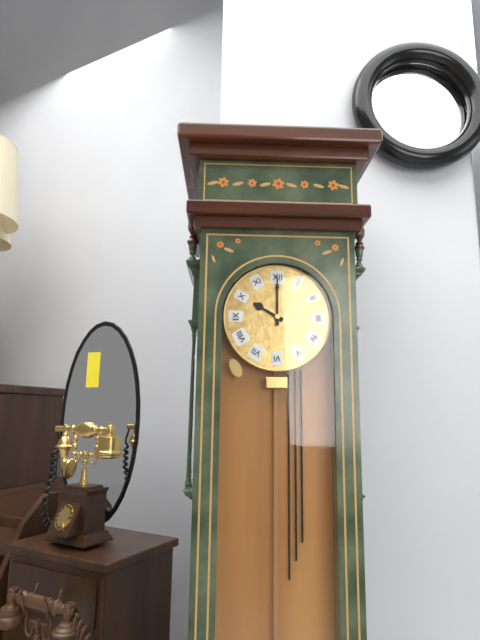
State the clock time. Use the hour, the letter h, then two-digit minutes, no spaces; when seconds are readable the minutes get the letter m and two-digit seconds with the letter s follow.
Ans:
10h00
